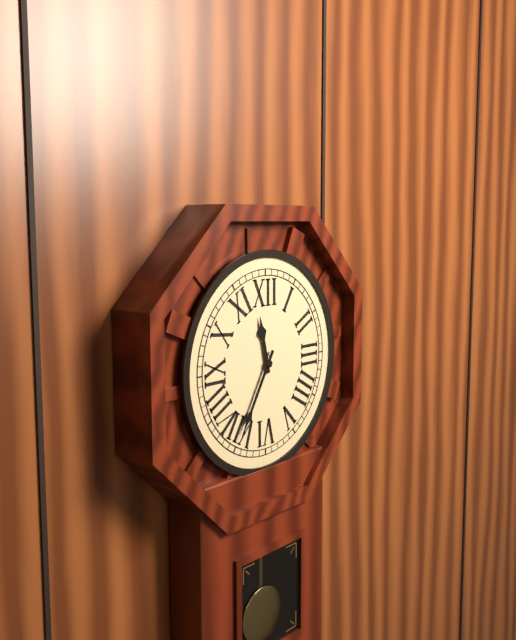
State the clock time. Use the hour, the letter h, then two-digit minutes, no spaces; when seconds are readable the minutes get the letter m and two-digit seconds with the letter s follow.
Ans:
11h35
